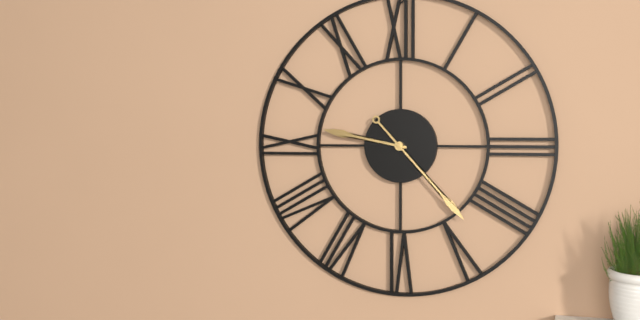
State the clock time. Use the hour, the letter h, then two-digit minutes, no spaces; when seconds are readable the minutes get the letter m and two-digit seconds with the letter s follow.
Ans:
9h23
